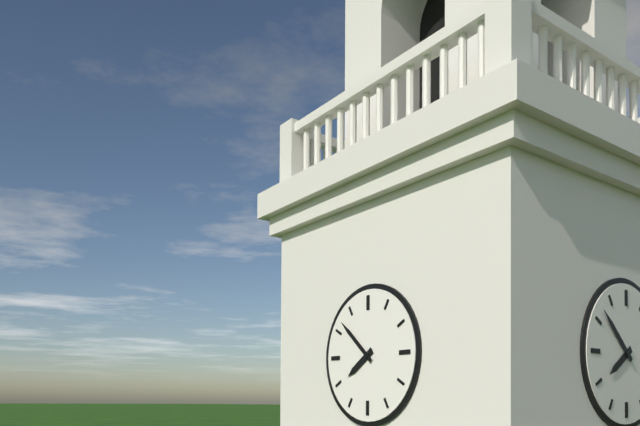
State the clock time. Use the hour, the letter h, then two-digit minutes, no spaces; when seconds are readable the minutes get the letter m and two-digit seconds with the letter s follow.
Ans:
7h52
